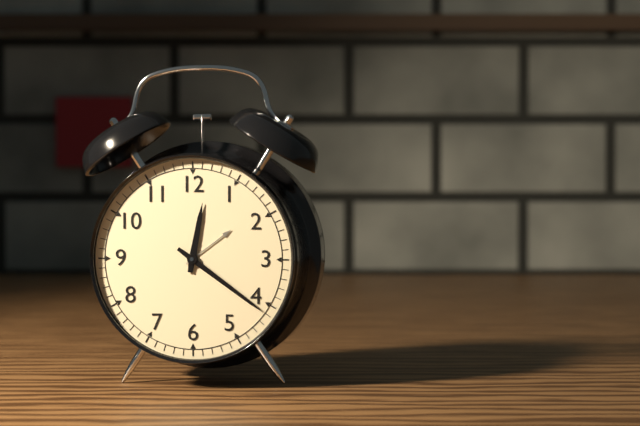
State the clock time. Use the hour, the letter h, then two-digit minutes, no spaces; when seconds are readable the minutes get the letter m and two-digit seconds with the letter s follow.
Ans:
12h21
